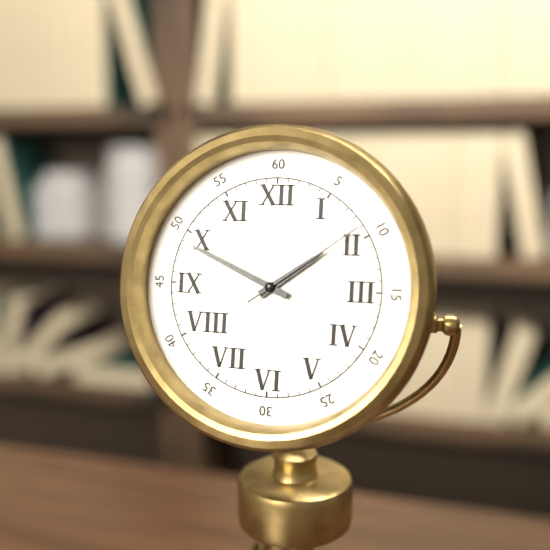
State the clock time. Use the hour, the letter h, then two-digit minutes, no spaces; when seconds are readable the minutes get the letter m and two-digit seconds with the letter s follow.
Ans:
1h49m09s
